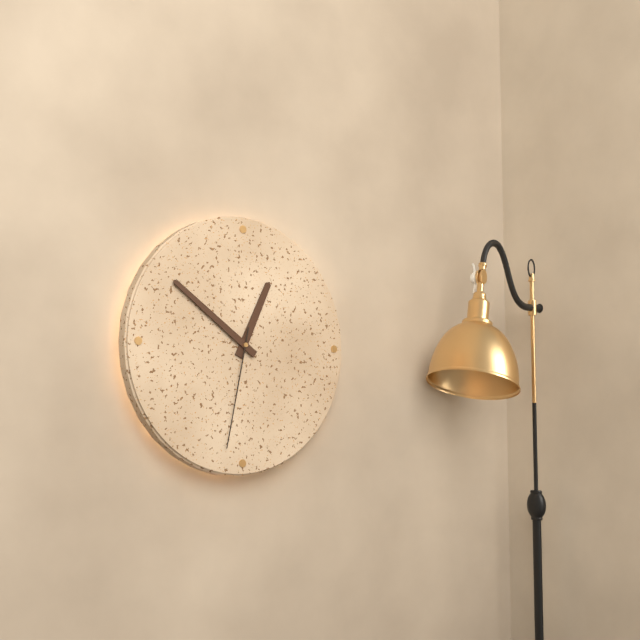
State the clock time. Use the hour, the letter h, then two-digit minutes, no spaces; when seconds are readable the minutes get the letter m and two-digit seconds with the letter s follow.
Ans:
12h51m32s
